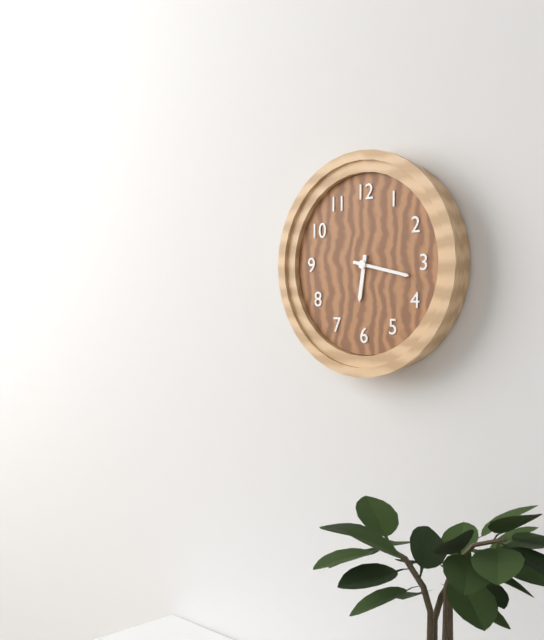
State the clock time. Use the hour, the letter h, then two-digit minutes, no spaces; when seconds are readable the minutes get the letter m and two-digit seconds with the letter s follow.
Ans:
6h17
